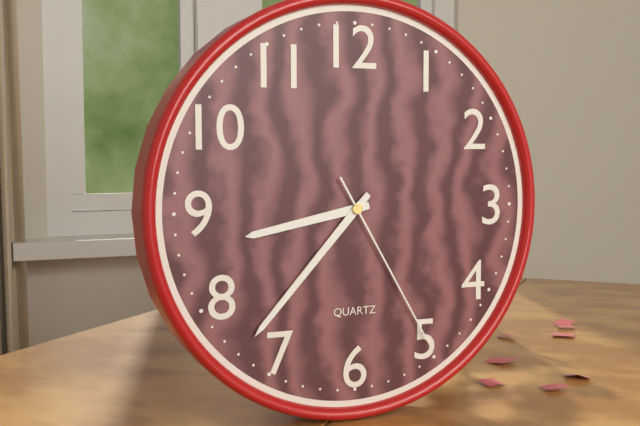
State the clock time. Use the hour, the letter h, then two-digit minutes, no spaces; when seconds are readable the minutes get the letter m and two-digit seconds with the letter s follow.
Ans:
8h37m25s
